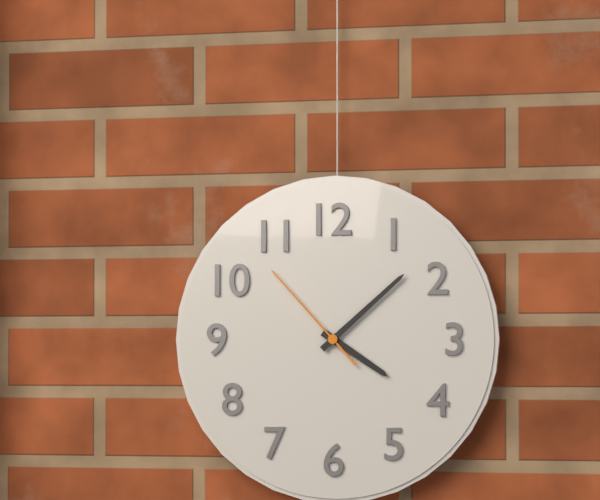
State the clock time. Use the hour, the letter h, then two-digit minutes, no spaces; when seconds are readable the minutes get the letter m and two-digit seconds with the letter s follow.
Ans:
4h08m53s
